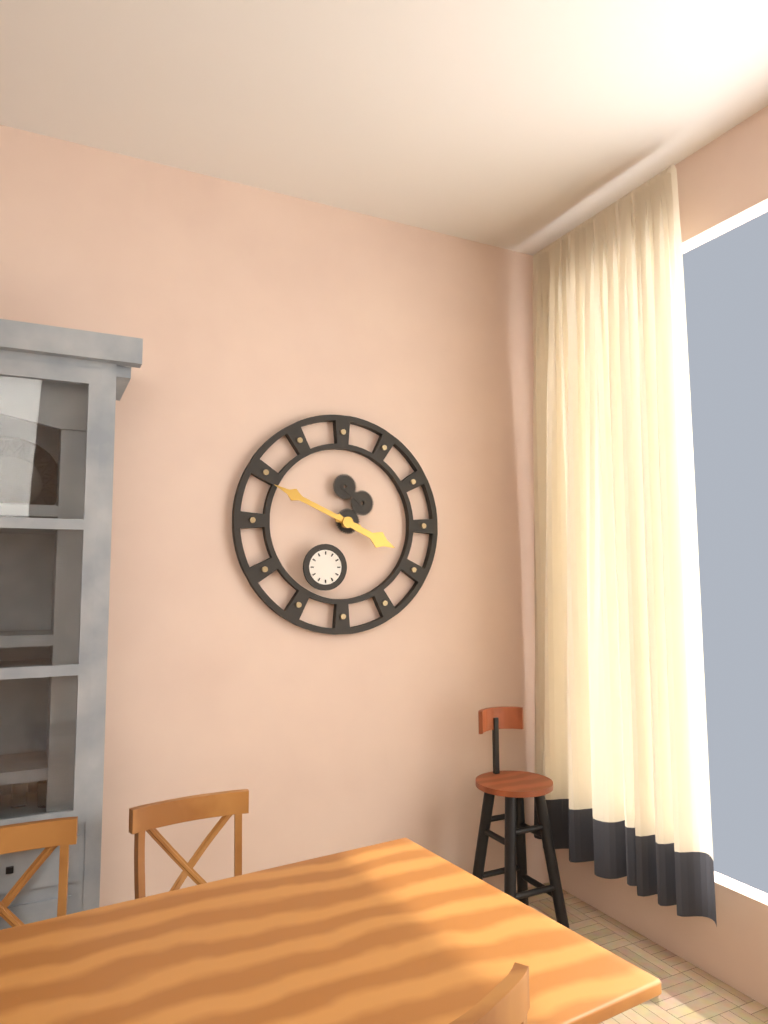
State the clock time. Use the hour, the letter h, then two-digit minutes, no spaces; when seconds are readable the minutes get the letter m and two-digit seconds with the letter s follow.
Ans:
3h49
